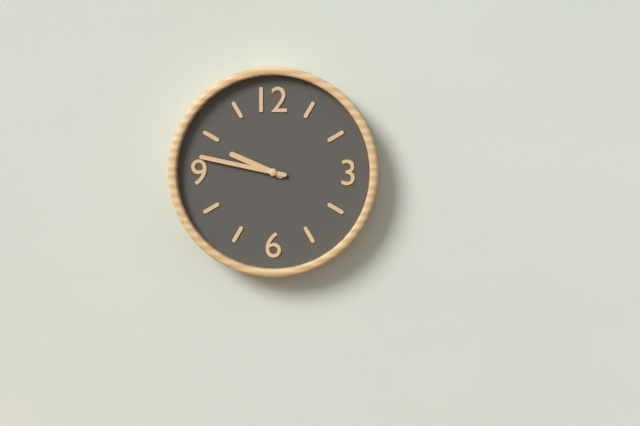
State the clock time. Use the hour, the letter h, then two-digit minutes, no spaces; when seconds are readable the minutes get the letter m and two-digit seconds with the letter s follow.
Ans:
9h47
